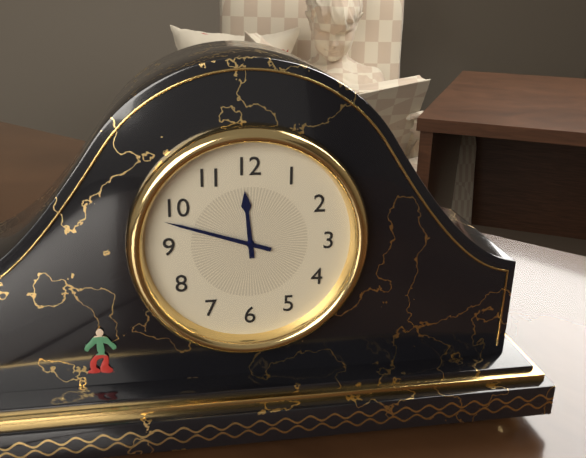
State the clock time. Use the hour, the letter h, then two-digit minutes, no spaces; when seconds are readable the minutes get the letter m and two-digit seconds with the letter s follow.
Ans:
11h48
